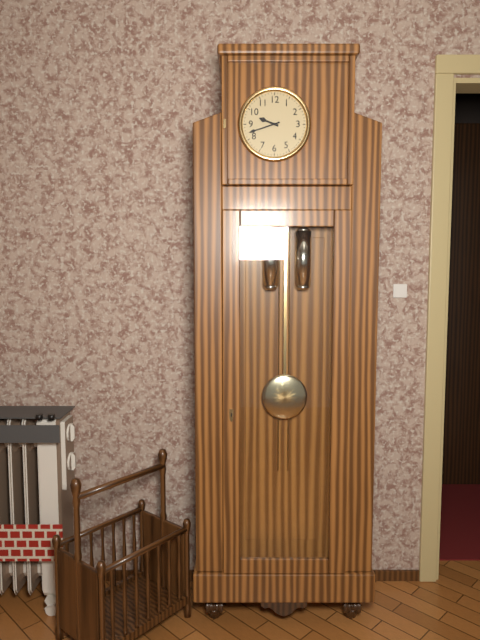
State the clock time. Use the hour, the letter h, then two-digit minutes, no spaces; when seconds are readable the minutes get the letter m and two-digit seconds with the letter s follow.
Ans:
9h42
